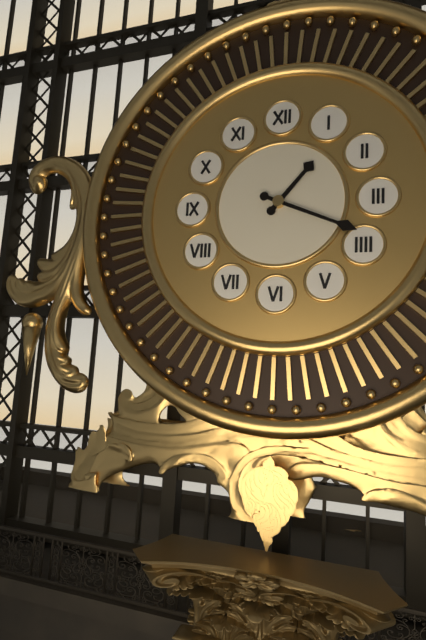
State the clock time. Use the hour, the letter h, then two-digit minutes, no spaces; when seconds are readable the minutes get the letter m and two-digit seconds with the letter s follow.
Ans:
1h19
